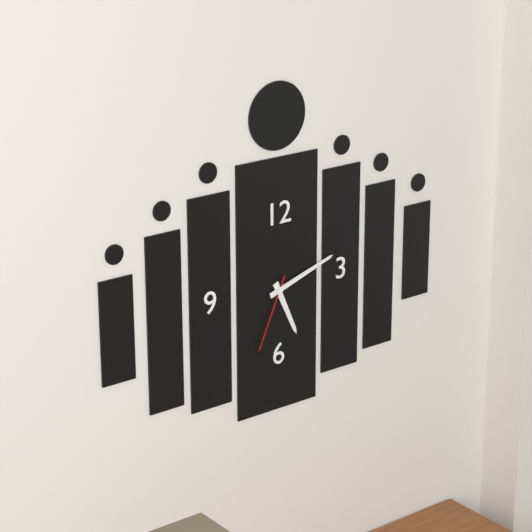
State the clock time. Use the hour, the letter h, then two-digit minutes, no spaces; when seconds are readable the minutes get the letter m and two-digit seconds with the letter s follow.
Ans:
5h12m34s
